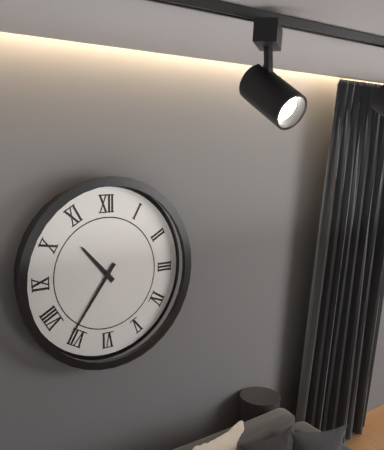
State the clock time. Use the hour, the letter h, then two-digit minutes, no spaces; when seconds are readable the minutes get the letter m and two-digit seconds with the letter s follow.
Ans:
10h36
